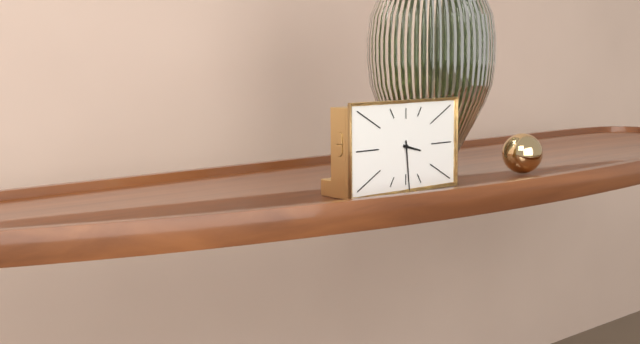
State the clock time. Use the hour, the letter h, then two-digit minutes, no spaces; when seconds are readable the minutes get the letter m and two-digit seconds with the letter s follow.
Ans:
3h29
